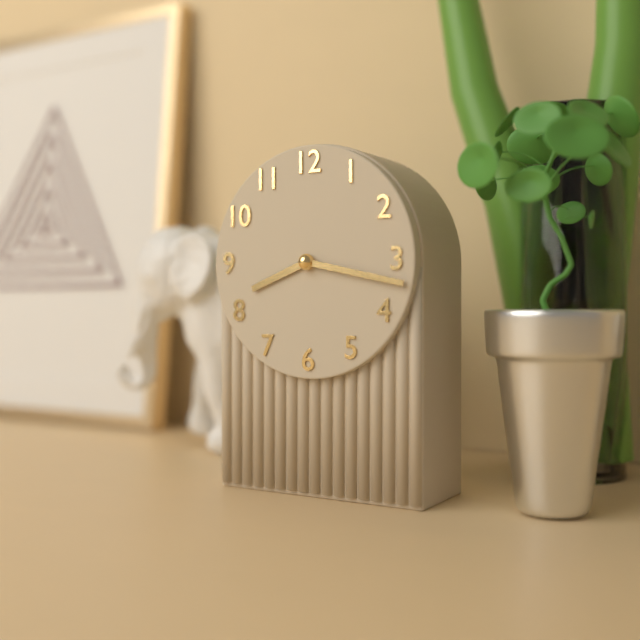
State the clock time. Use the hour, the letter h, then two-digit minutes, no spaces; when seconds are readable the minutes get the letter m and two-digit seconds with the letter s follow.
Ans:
8h17
